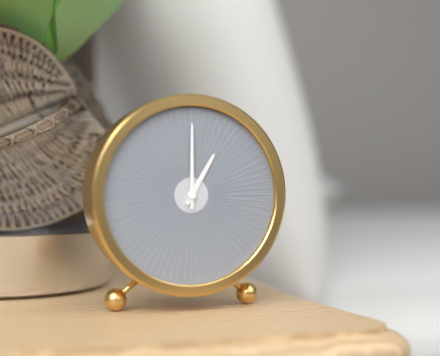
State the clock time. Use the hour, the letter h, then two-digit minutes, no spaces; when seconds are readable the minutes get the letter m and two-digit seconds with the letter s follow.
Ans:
1h00
